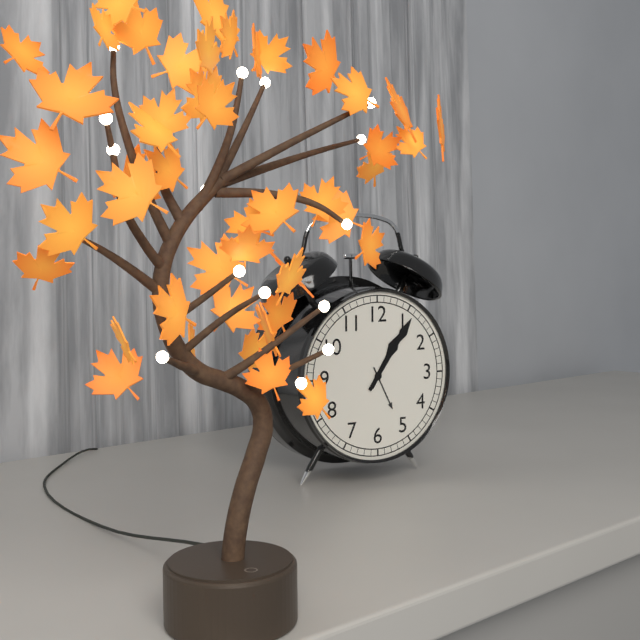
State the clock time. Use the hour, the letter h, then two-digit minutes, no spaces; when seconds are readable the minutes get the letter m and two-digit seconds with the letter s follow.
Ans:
1h06
